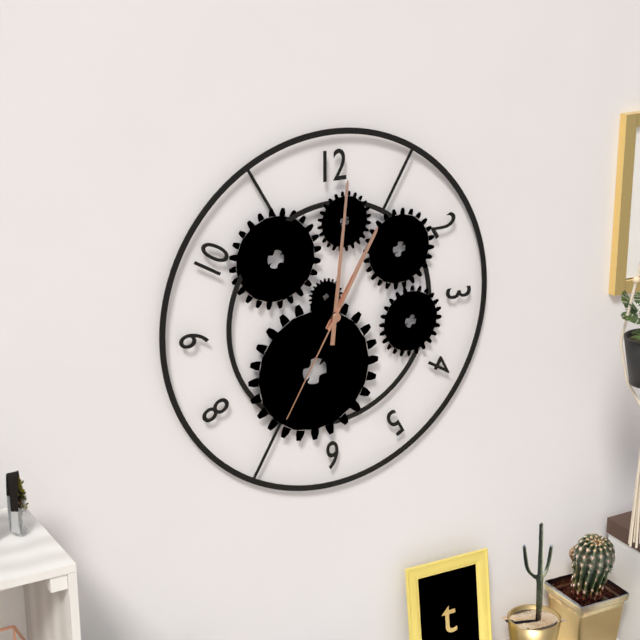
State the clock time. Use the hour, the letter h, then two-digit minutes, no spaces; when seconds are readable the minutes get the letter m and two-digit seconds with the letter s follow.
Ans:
1h01m35s
